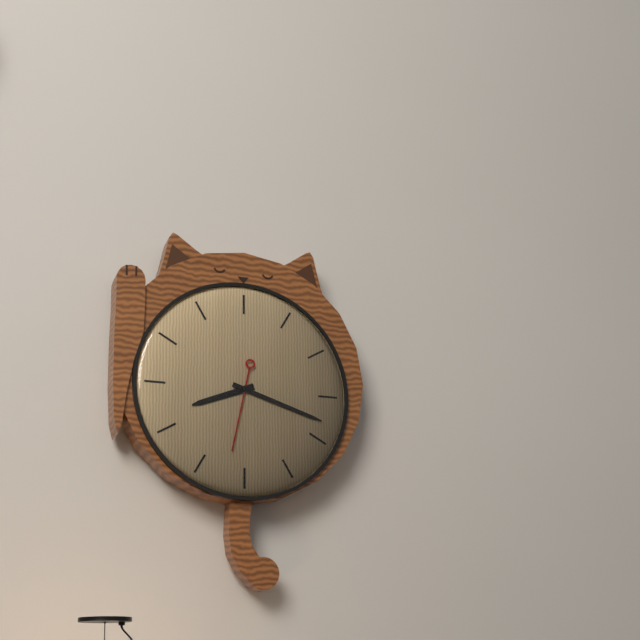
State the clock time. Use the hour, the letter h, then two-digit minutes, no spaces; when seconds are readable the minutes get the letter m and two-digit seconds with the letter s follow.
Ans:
8h18m32s
